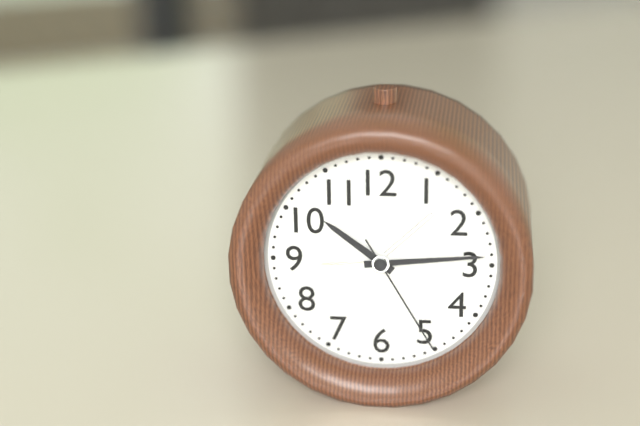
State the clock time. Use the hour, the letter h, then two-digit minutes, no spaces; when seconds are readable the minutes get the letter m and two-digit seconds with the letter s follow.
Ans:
10h14m25s
